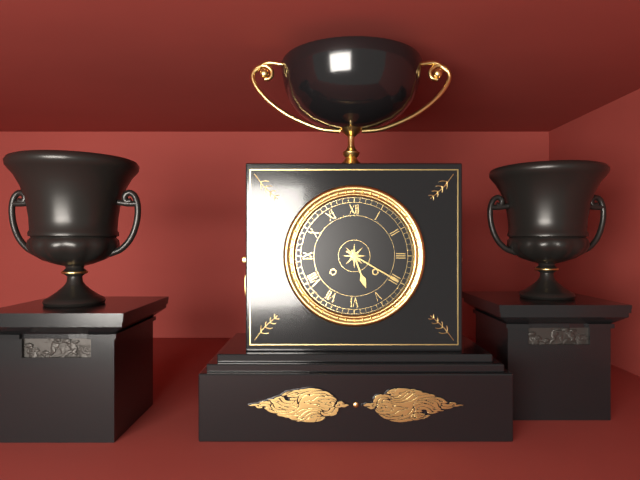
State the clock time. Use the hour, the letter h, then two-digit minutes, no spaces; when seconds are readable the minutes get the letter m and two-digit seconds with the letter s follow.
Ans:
5h20
